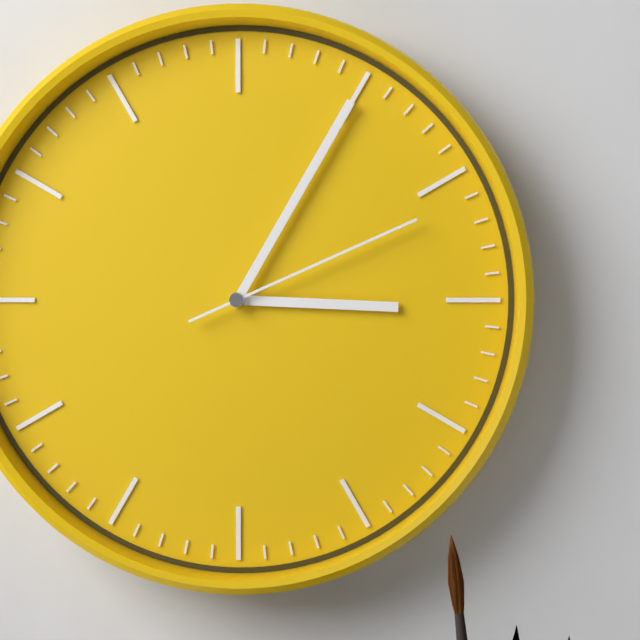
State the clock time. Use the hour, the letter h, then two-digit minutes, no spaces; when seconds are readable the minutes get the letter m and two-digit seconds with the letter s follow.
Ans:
3h05m11s
